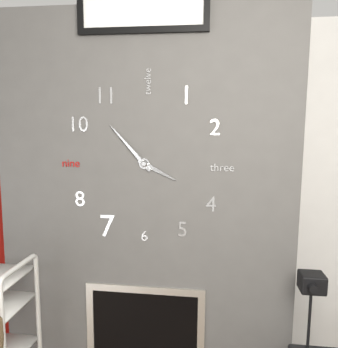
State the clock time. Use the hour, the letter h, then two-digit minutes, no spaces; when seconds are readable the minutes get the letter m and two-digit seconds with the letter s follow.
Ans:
3h53
